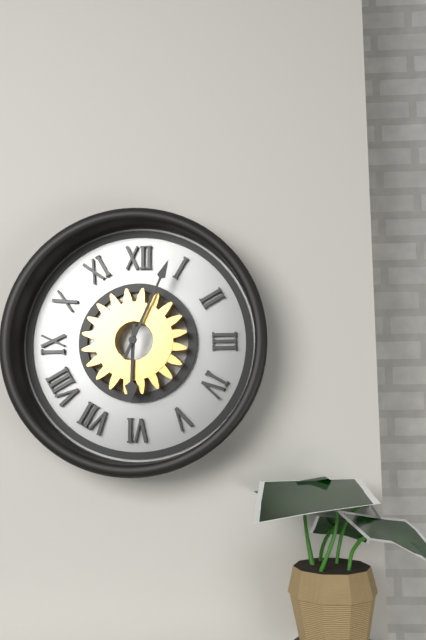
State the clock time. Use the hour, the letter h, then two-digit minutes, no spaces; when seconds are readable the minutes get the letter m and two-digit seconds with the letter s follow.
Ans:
6h04
